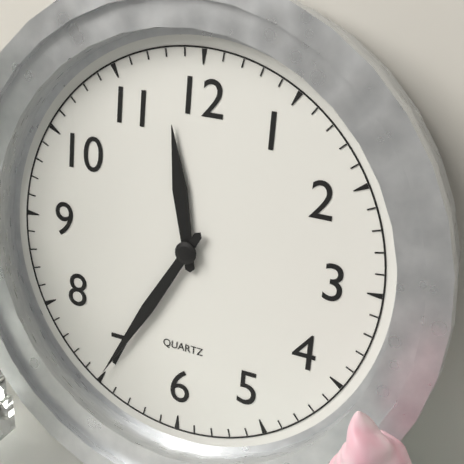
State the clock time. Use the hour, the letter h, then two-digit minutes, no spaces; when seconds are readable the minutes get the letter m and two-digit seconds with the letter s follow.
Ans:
11h35
